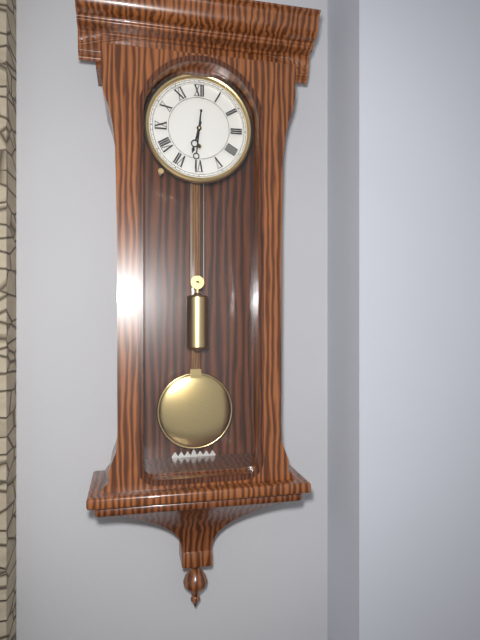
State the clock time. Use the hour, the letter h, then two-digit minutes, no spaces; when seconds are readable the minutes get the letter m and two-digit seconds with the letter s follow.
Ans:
6h31
